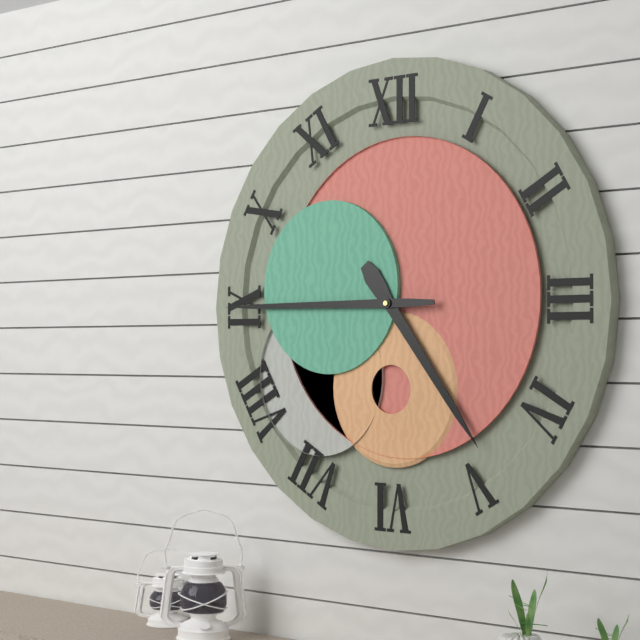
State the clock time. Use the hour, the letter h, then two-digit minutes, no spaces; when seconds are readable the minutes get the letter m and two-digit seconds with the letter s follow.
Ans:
4h45
